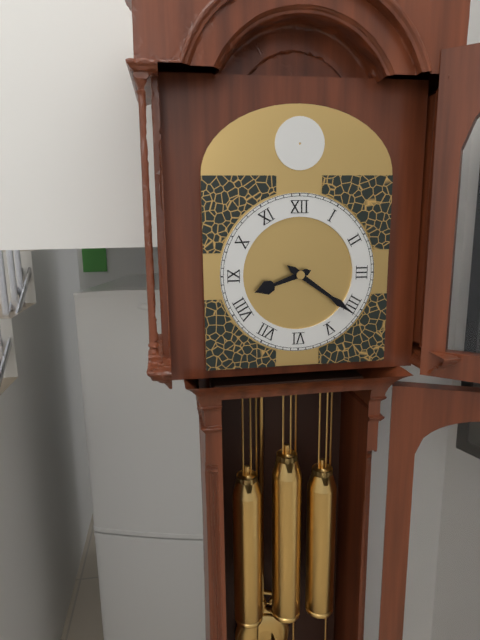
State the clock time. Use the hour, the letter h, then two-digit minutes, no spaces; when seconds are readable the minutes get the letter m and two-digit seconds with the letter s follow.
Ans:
8h21
